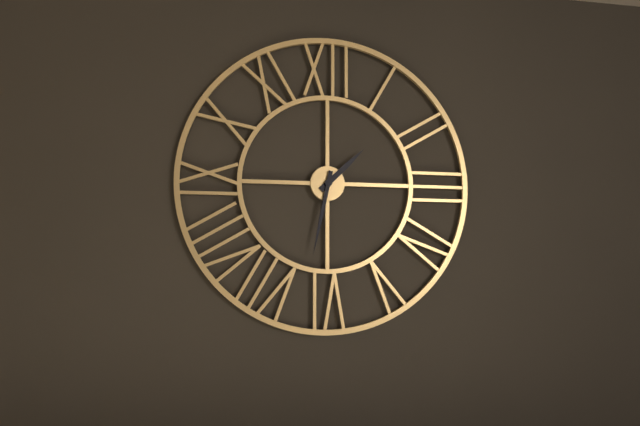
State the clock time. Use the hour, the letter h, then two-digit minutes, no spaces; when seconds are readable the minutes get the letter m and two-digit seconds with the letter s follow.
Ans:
1h32
